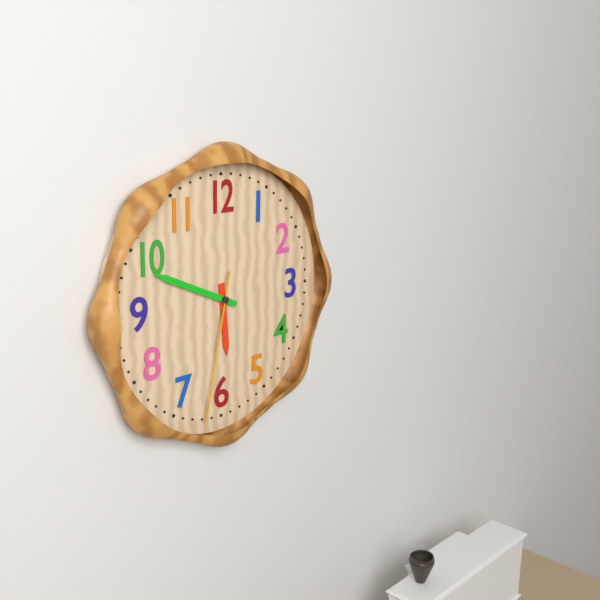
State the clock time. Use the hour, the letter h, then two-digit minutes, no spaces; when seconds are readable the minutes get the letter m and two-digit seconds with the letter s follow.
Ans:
5h49m32s
